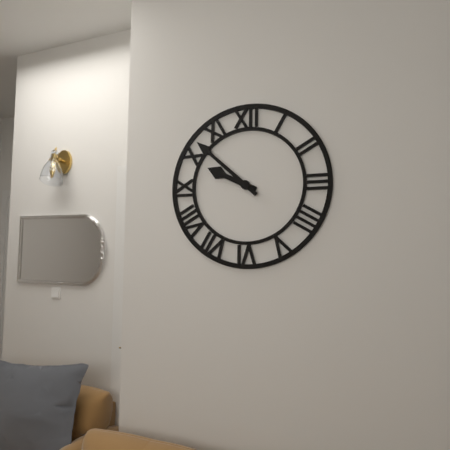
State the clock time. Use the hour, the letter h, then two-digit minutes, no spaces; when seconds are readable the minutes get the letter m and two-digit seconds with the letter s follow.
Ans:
9h52
